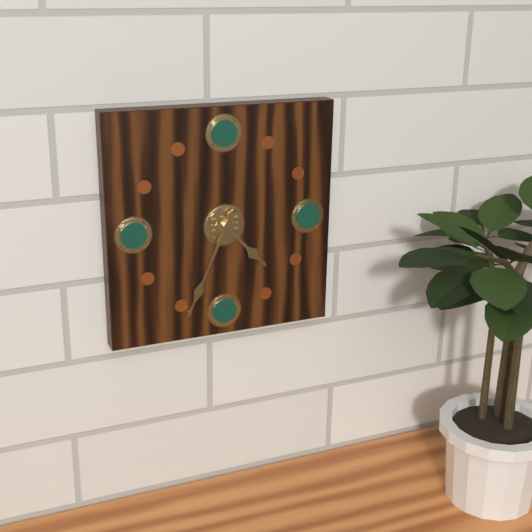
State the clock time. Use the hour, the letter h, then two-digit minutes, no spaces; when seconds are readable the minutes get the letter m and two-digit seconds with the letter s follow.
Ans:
4h34
